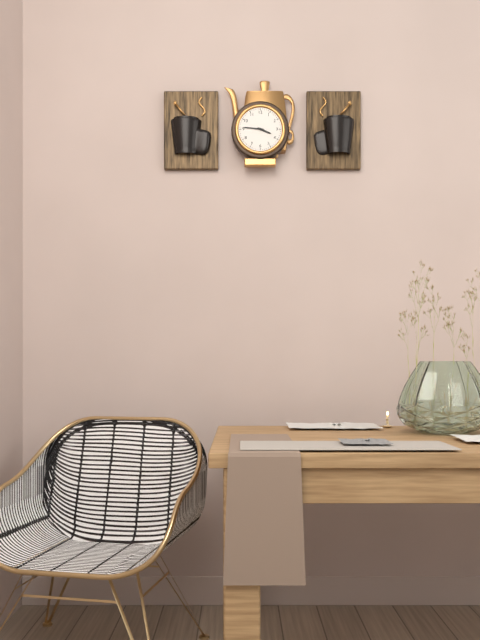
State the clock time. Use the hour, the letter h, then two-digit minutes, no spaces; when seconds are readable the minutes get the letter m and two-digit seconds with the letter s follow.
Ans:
3h46
